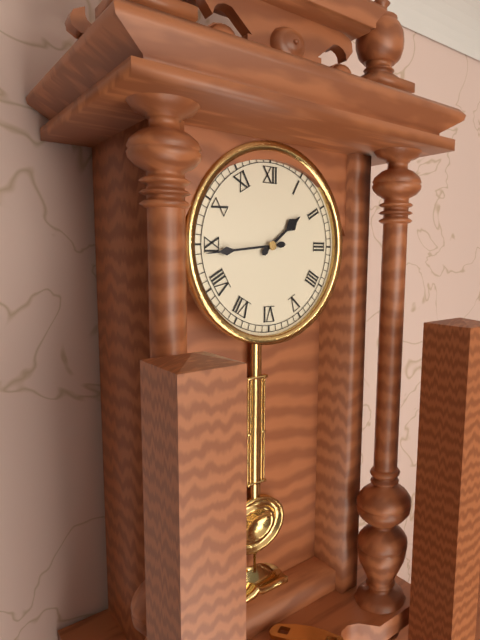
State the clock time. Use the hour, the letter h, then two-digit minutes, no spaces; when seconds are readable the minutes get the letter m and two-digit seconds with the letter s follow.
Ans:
1h44
